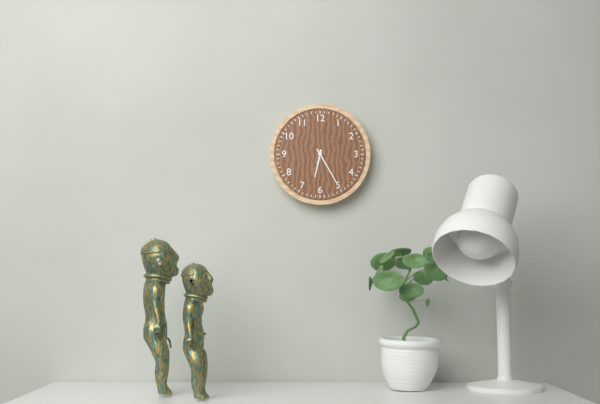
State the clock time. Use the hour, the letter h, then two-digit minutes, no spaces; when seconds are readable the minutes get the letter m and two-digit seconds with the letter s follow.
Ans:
6h25
